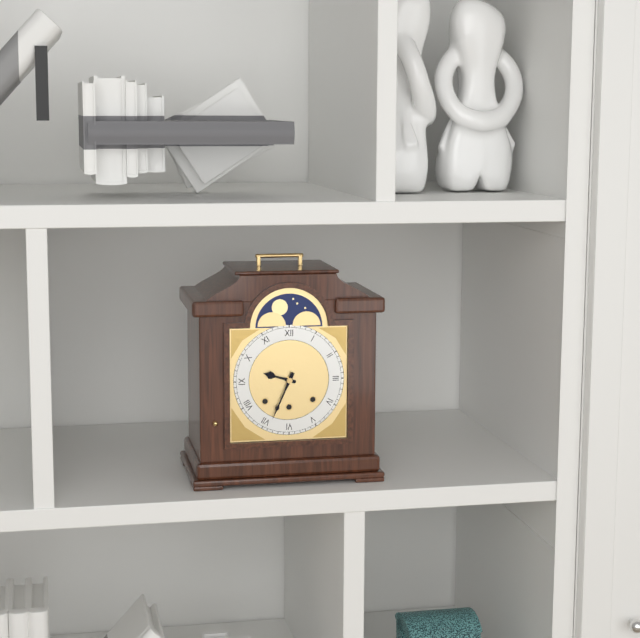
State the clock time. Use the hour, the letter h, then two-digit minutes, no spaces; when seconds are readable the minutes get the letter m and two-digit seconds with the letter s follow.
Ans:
9h34
